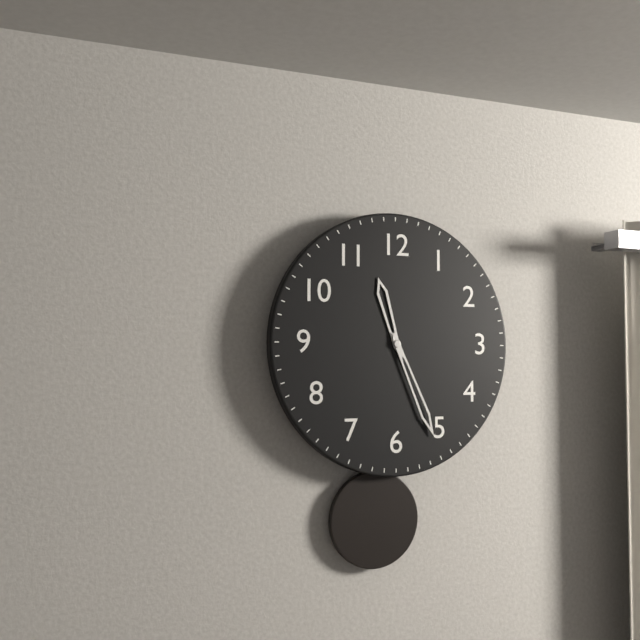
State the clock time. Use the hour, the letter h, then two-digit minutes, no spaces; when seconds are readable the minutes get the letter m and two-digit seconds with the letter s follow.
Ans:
11h26
